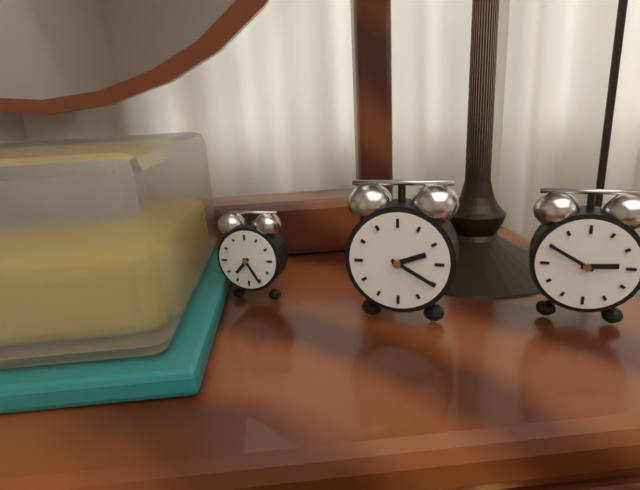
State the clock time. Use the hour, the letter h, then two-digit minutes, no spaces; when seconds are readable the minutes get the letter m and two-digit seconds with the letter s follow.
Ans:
2h20
